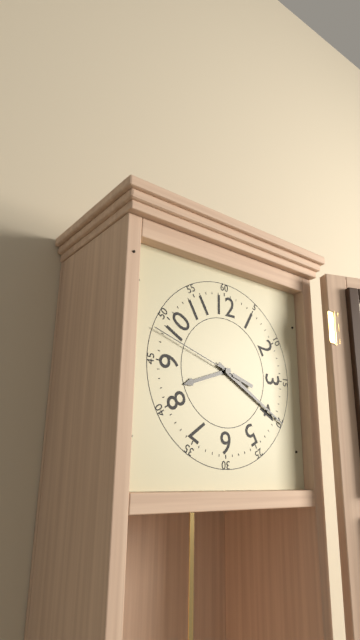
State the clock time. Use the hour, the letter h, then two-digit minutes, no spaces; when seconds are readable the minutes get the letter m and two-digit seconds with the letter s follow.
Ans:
8h20m48s
